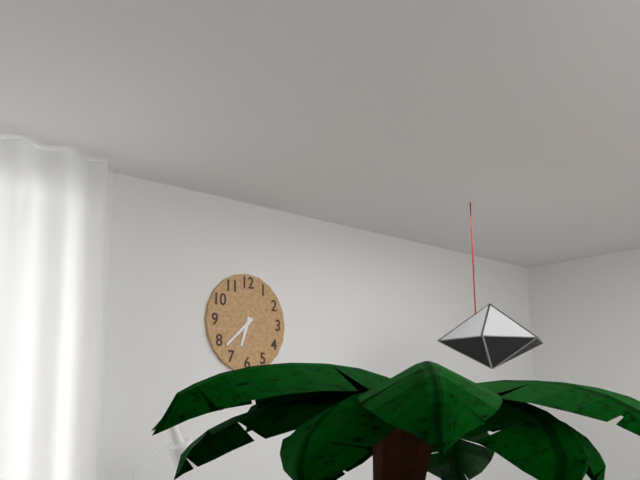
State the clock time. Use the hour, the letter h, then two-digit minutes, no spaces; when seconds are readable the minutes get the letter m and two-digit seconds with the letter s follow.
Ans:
6h38
